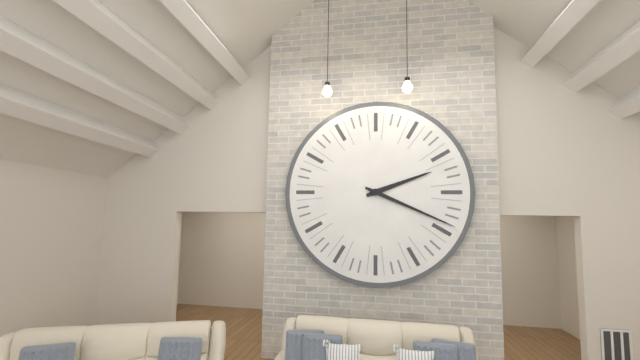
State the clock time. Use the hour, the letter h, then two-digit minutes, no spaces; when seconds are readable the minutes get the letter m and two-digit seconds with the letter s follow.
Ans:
2h19
